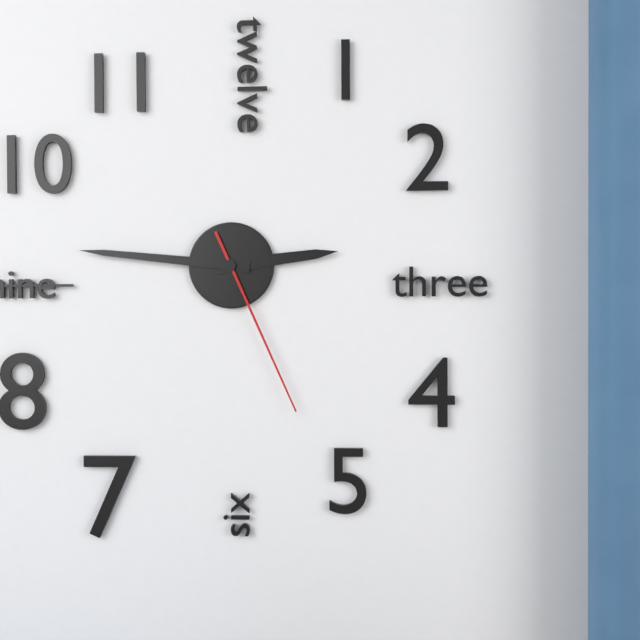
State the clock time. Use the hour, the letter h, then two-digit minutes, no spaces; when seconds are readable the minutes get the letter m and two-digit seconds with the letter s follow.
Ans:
2h46m26s
